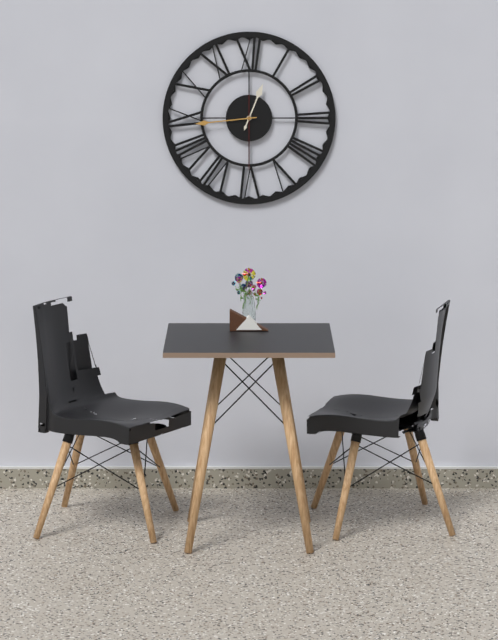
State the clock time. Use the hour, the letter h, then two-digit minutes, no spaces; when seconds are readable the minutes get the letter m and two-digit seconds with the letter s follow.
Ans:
12h44m30s
